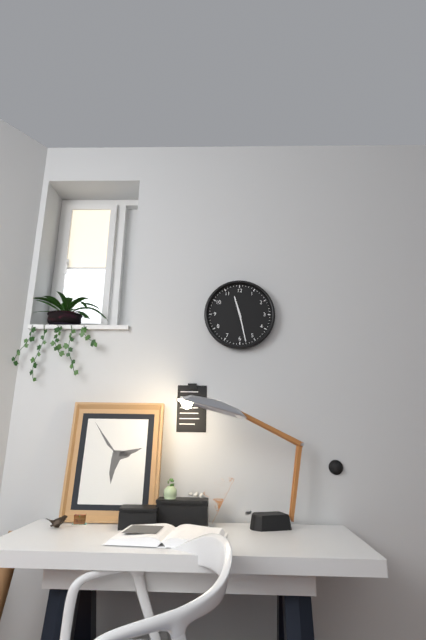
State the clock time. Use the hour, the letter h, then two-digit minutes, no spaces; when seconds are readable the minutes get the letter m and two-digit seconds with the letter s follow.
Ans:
11h28
